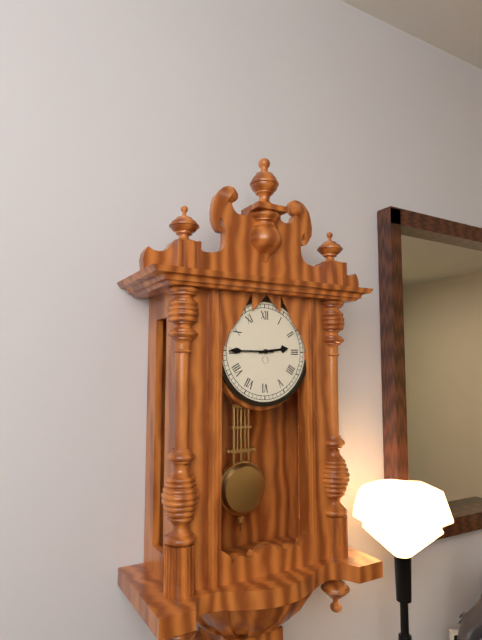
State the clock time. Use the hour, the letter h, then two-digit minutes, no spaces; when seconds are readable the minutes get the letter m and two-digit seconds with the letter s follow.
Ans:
2h45
